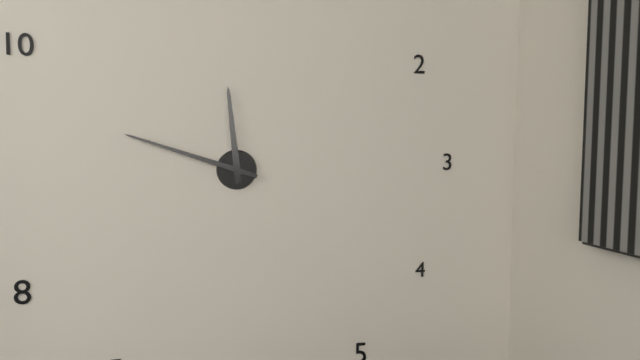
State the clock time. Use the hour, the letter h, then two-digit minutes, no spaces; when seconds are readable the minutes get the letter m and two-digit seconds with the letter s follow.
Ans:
11h48
